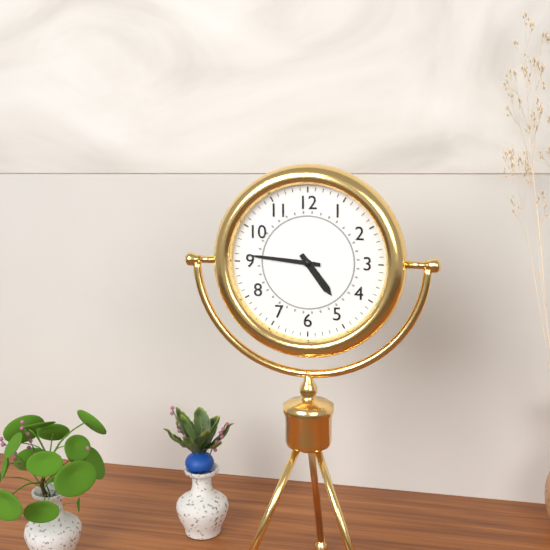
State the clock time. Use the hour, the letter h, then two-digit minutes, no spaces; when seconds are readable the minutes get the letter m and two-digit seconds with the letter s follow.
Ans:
4h46
